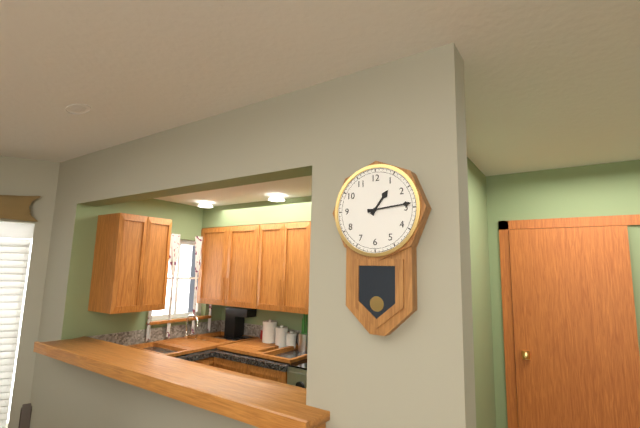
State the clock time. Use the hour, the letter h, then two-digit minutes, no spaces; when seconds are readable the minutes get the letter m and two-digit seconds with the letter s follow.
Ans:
1h14
